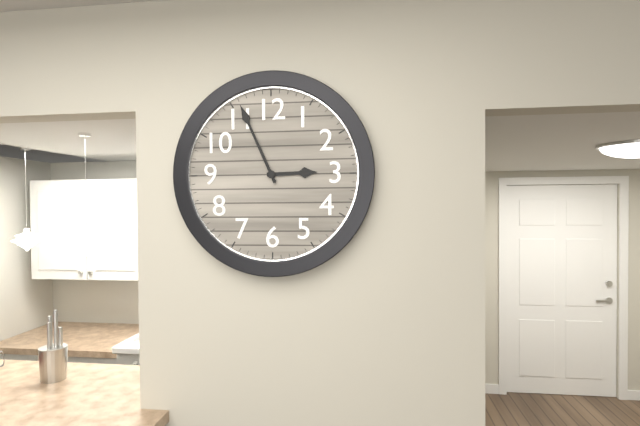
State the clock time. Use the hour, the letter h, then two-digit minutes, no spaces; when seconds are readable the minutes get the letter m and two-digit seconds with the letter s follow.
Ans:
2h56
